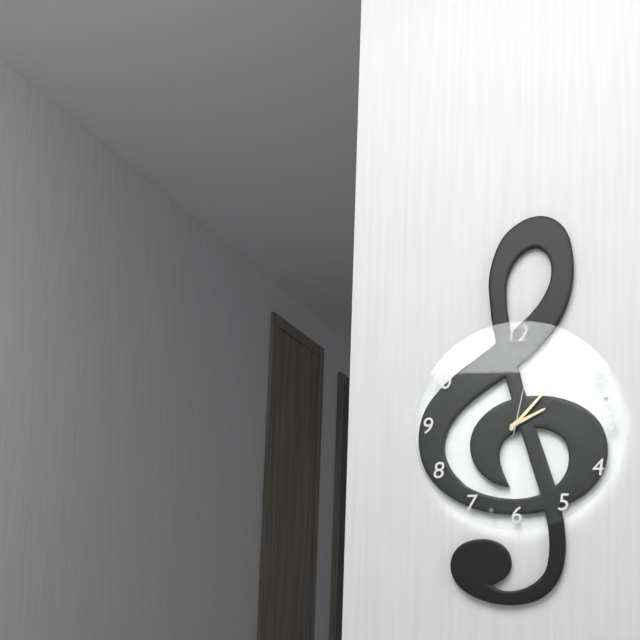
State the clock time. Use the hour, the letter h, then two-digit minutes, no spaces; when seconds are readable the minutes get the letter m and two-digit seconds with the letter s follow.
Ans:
2h07m02s
